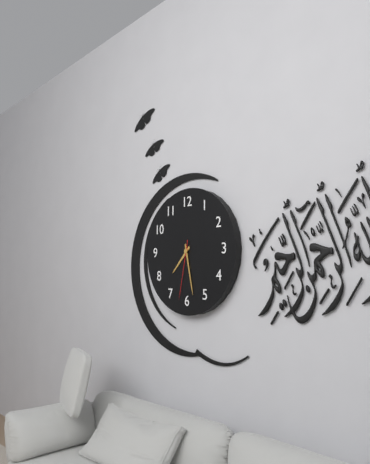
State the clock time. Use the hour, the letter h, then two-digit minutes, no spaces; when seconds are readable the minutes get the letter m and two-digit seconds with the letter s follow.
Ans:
7h28m32s
